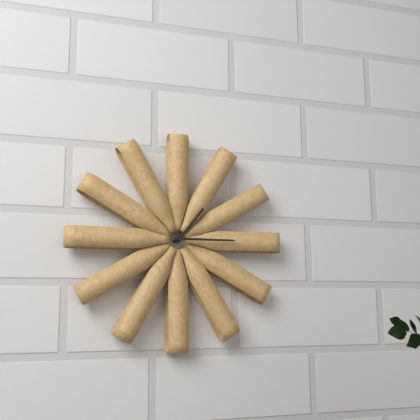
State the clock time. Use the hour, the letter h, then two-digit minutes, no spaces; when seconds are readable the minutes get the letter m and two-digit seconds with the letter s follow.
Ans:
1h15
